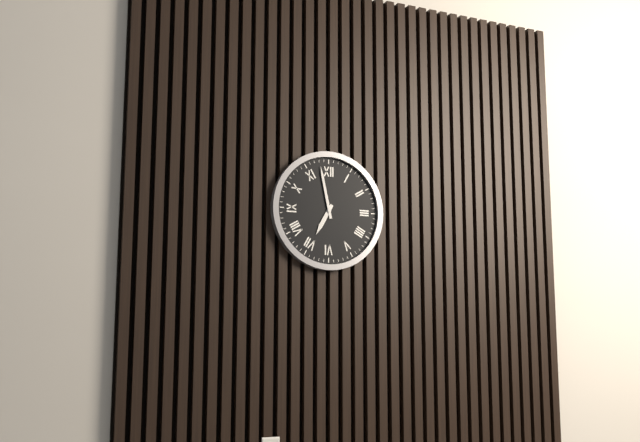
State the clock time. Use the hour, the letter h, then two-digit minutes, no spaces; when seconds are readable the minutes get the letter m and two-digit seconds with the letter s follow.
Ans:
6h58
